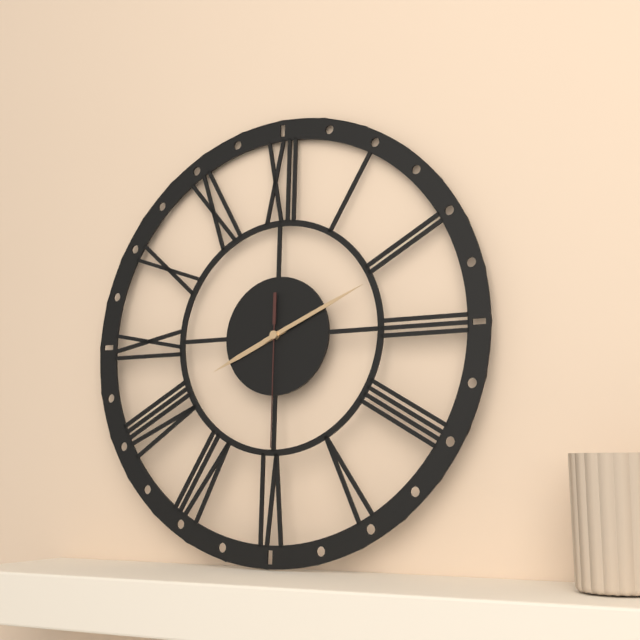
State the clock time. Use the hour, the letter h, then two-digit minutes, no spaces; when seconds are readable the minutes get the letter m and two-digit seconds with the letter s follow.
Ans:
8h11m30s
